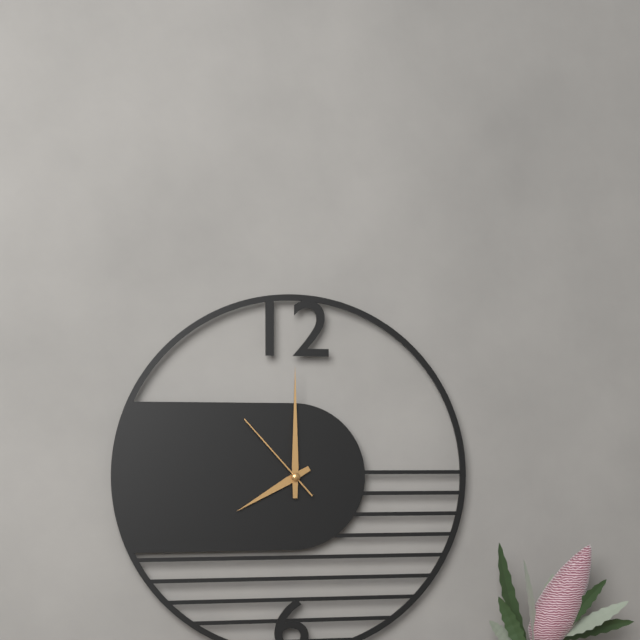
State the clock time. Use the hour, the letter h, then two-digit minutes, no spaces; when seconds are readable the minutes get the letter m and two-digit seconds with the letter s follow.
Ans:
8h00m53s
